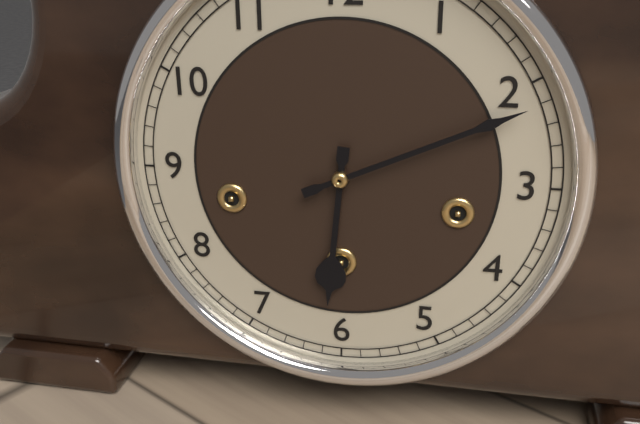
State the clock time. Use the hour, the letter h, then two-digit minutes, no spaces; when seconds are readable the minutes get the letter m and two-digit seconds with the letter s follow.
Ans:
6h11
